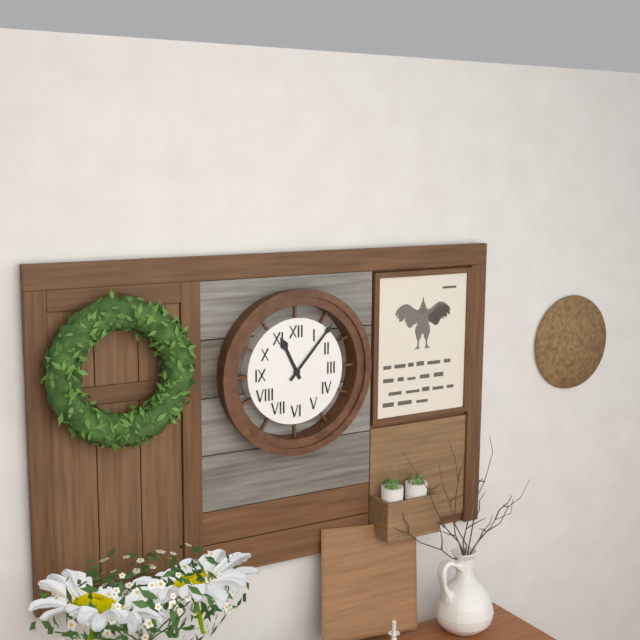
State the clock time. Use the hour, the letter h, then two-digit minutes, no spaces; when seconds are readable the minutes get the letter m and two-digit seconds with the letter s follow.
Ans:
11h07
